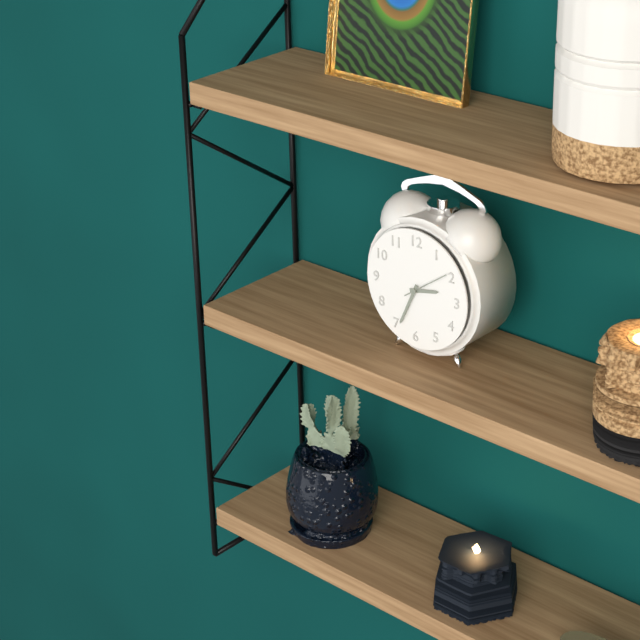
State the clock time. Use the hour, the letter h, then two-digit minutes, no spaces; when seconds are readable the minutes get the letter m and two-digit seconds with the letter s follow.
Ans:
2h34
